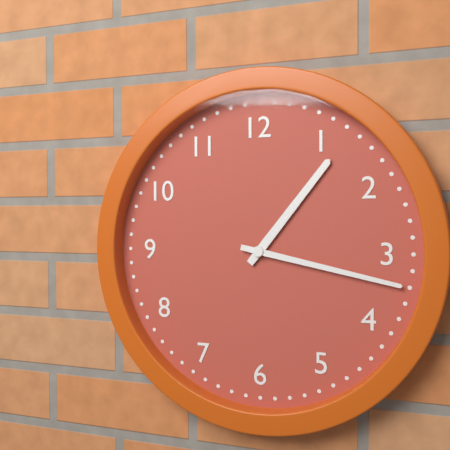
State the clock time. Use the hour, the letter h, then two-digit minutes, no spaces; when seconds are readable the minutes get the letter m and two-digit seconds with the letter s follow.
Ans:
1h17
